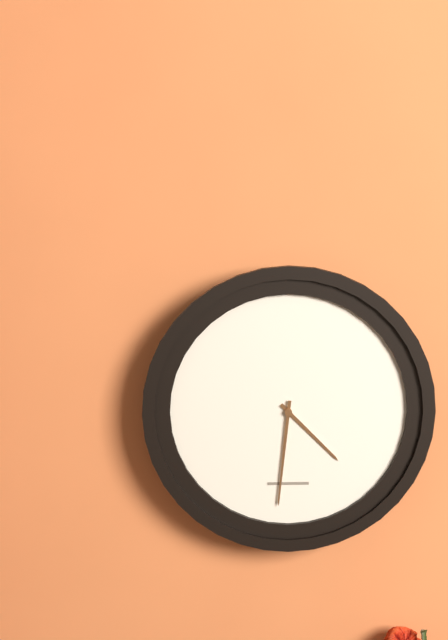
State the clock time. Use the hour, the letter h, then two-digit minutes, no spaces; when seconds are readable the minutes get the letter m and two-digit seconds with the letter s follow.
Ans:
4h31
